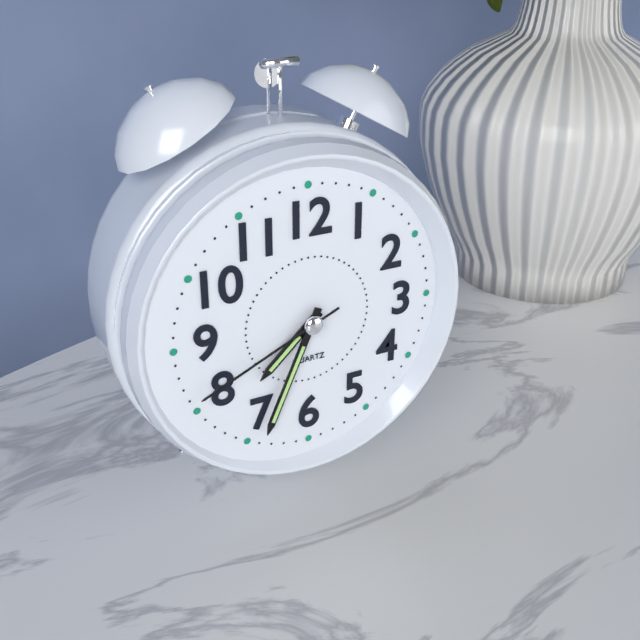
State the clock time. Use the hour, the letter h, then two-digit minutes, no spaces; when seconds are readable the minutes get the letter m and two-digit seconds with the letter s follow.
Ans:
7h34m41s
